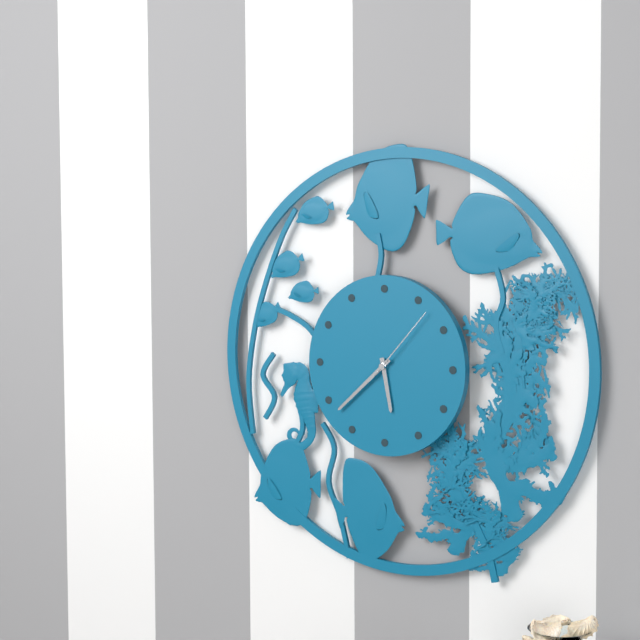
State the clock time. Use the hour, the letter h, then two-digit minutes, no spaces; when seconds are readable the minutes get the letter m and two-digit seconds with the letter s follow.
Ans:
5h38m07s
